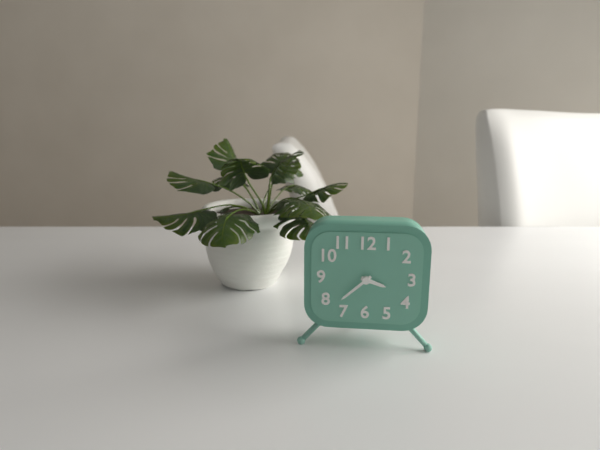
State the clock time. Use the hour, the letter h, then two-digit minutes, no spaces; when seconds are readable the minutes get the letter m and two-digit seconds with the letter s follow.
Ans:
3h38
